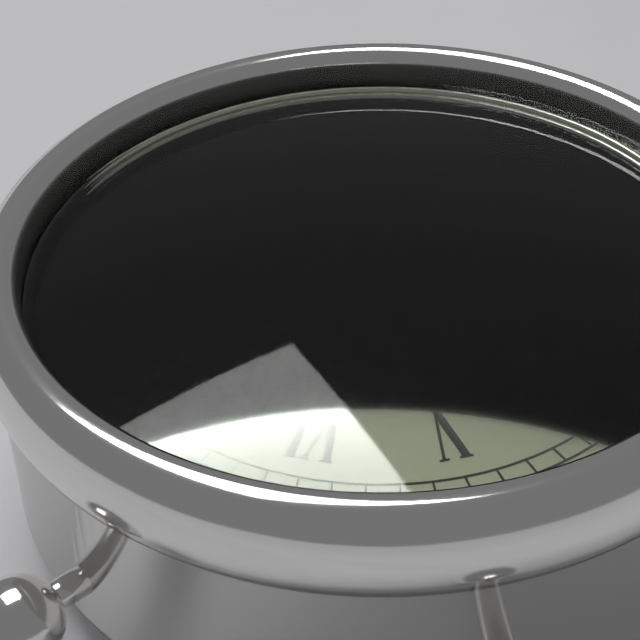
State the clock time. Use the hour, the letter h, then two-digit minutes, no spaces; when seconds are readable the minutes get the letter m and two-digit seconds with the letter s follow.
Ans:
8h44
